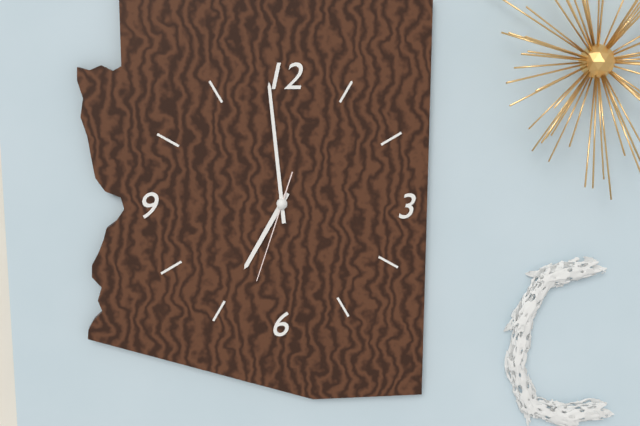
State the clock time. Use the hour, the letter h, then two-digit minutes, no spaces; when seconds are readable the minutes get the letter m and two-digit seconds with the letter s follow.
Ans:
6h59m33s
